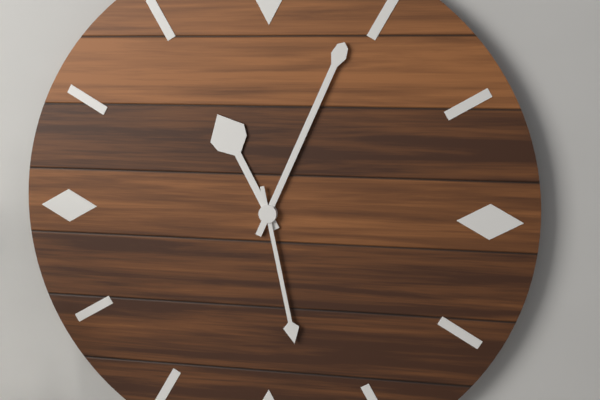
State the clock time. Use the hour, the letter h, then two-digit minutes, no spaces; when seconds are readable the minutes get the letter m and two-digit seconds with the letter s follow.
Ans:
11h04m28s
